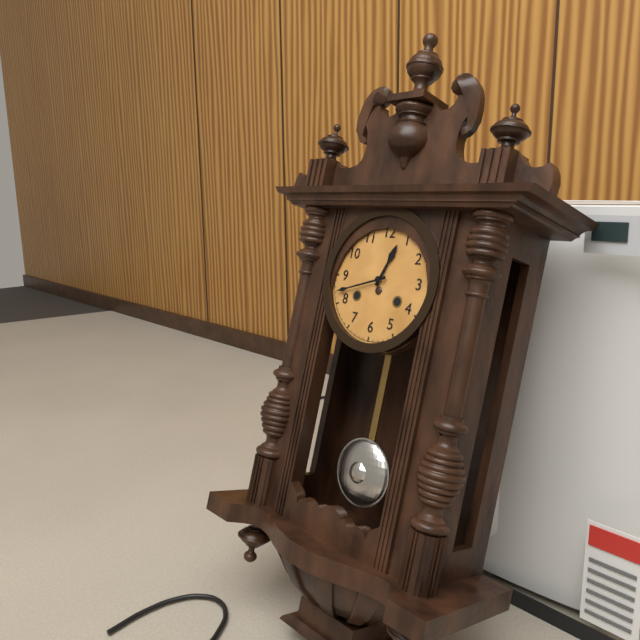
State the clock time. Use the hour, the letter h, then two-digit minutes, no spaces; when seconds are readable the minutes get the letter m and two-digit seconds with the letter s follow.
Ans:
12h42
